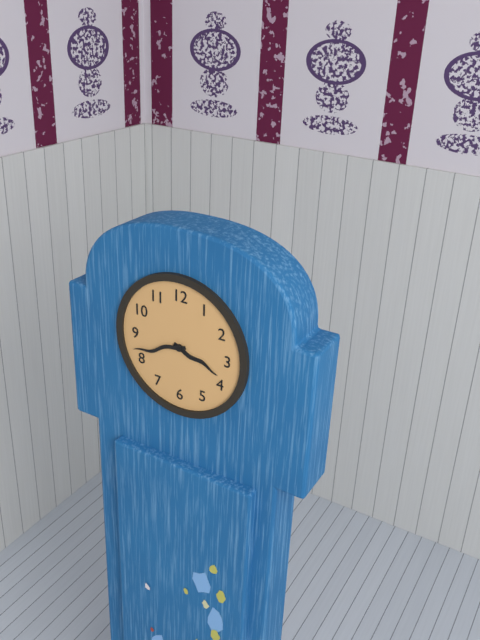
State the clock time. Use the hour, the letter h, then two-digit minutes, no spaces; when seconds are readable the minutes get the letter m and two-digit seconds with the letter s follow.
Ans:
3h42
